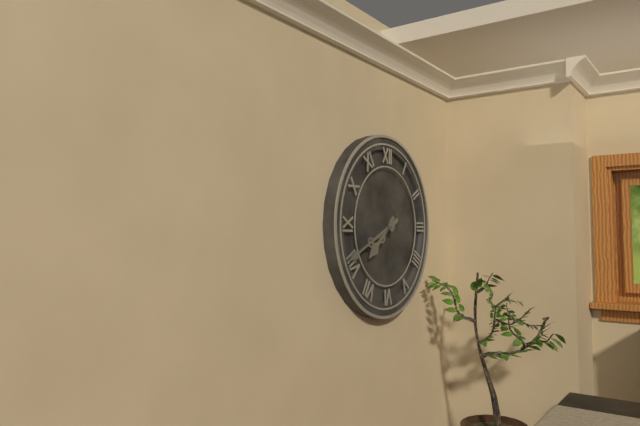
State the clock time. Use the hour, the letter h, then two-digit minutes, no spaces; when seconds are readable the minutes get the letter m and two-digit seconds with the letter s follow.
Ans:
7h41
